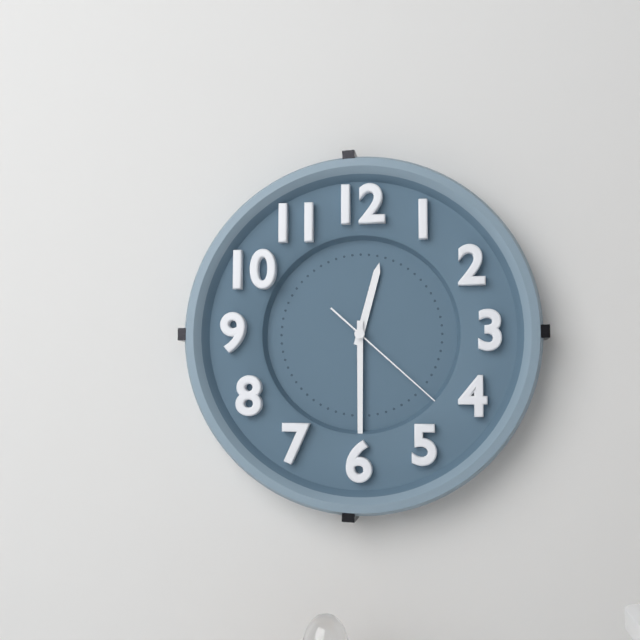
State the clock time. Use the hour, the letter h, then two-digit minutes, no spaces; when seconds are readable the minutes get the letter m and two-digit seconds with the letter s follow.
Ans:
12h30m22s
